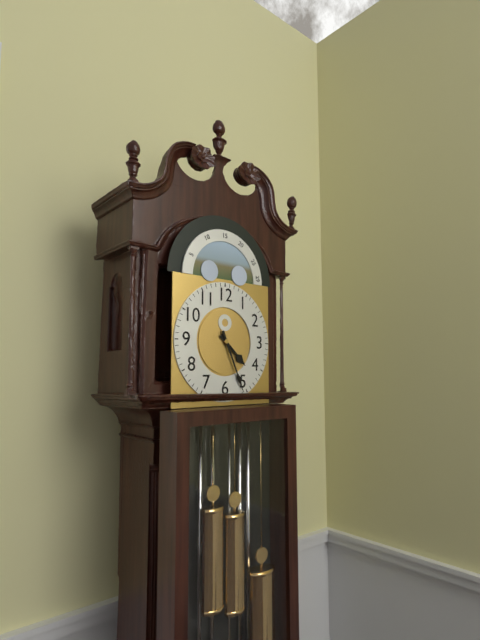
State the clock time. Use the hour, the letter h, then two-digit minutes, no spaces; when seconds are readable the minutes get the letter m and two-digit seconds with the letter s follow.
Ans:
4h26
